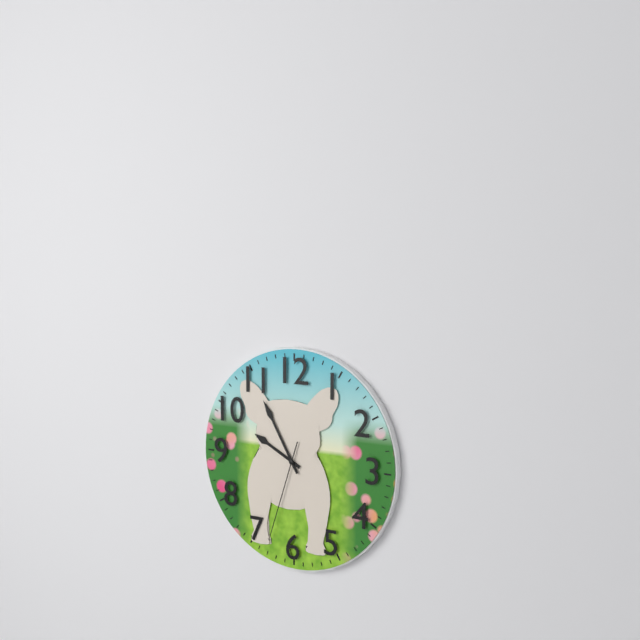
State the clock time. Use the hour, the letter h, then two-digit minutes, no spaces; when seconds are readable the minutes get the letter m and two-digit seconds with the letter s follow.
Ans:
9h55m33s
